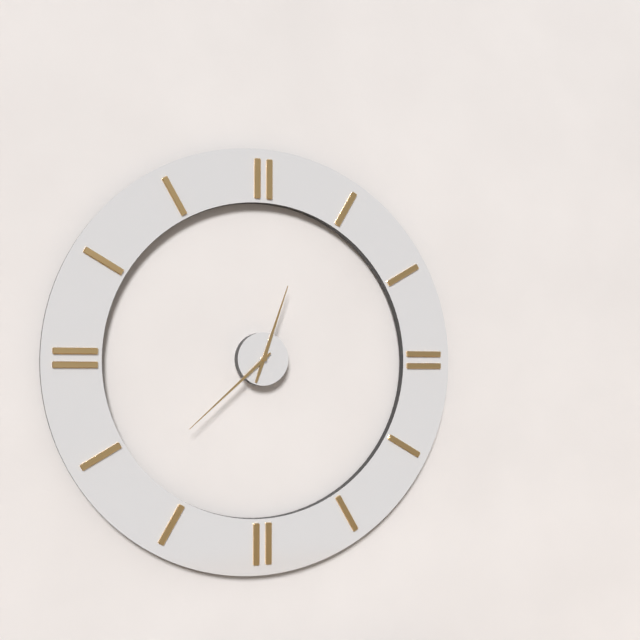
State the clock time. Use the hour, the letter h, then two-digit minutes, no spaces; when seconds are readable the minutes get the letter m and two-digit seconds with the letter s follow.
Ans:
12h38
